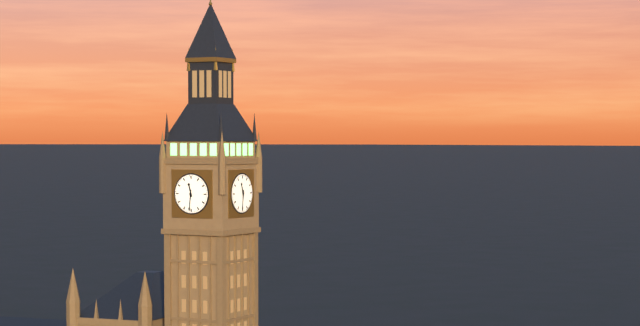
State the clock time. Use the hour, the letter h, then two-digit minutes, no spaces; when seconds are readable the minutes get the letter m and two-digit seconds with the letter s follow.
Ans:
11h31
